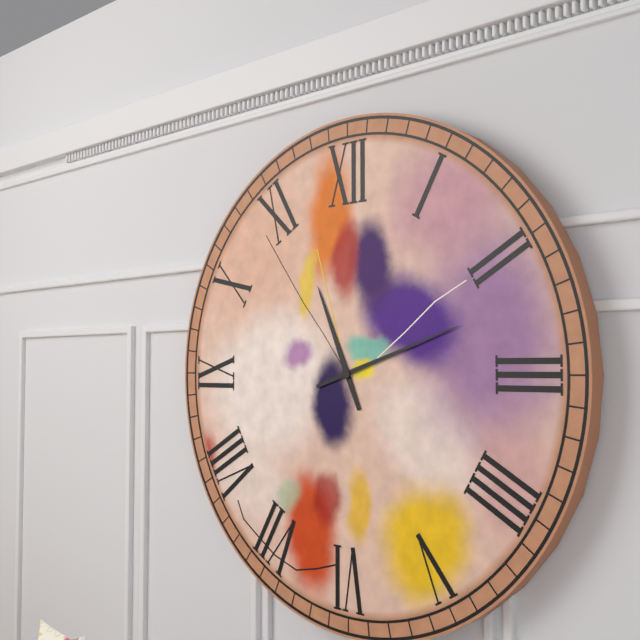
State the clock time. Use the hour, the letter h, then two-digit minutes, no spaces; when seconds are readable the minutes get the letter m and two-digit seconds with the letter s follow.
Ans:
11h12
